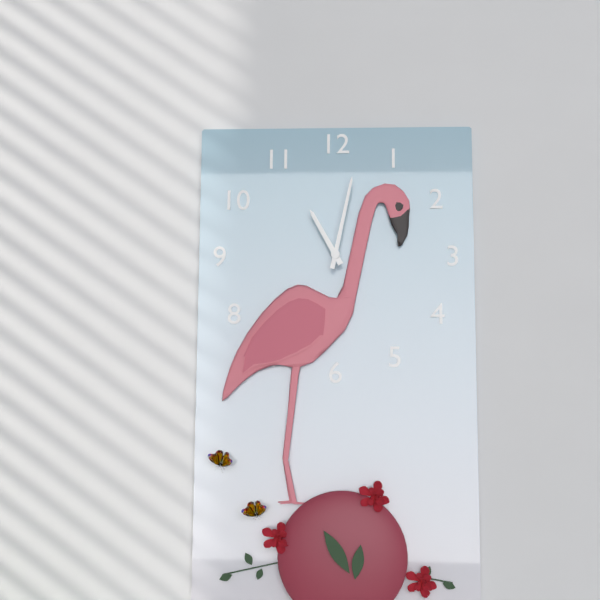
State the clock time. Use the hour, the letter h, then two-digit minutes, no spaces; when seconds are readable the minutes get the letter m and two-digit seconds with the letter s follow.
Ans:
11h02
